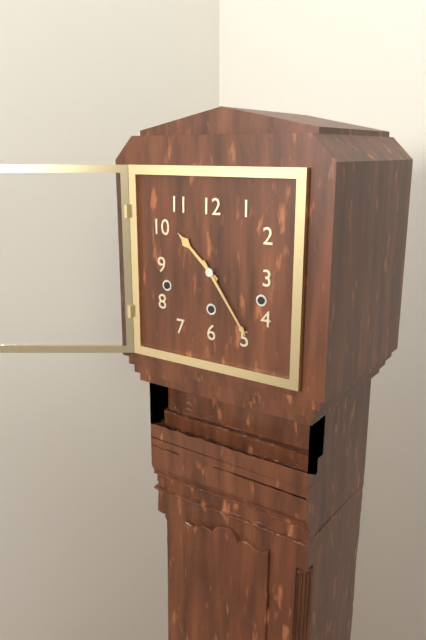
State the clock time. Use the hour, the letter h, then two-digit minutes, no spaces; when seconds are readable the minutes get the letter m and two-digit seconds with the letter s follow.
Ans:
10h24
